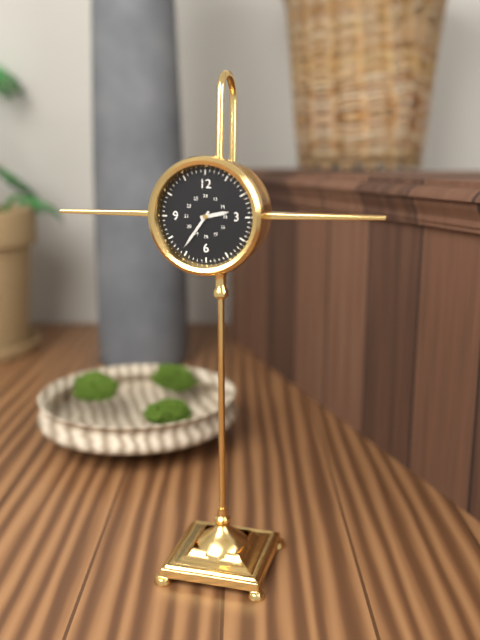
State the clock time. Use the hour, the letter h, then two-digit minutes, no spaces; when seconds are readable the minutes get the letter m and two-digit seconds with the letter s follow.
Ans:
2h36
